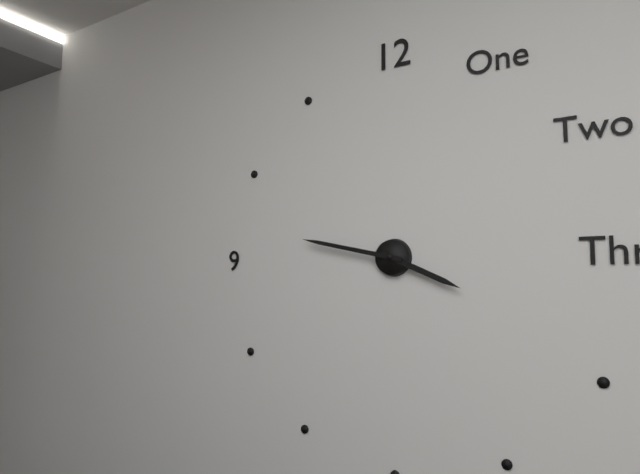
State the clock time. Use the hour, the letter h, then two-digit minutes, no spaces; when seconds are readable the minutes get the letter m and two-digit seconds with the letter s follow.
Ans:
3h47
